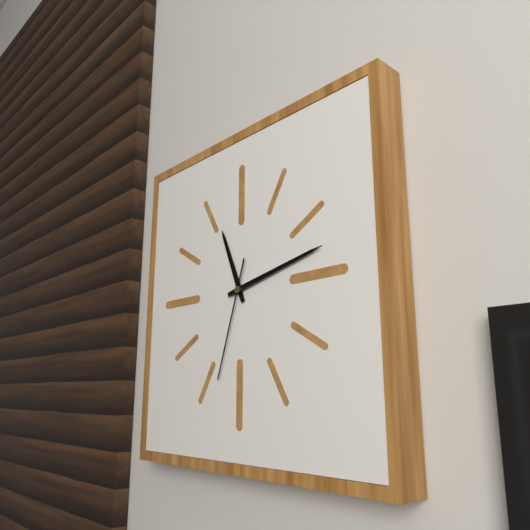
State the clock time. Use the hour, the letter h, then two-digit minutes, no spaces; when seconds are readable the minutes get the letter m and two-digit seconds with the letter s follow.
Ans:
11h13m33s
